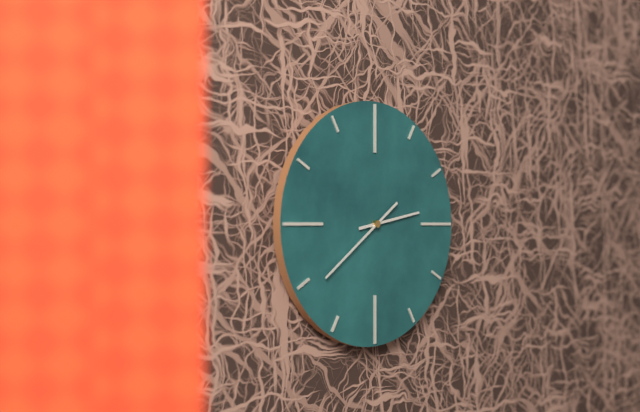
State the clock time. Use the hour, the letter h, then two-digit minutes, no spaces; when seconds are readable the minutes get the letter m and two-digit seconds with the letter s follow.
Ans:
2h39
